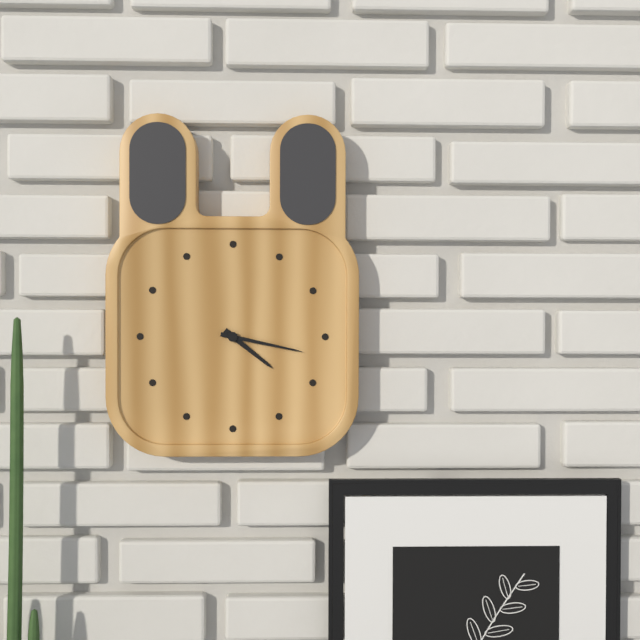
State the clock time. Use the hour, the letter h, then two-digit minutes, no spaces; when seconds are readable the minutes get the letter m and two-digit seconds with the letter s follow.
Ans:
4h17
